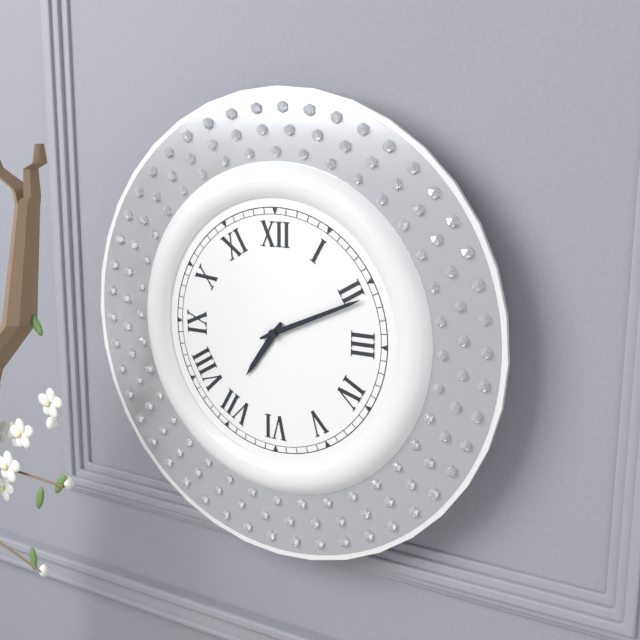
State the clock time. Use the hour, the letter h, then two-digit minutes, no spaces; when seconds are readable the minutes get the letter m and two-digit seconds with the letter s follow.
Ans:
7h11
